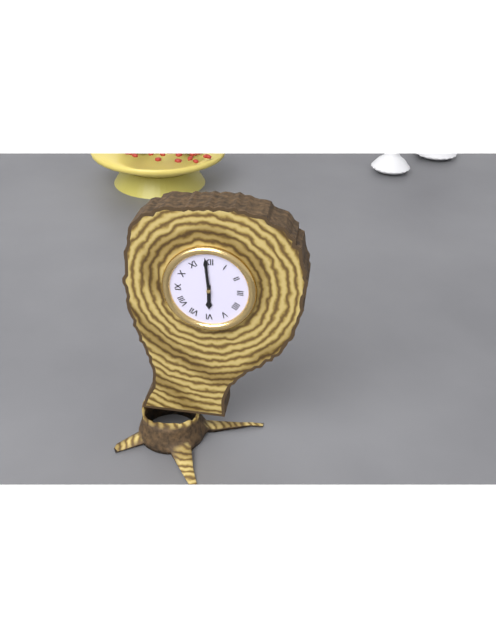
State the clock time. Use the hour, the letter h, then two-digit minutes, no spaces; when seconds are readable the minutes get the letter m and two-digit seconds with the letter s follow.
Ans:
5h59
